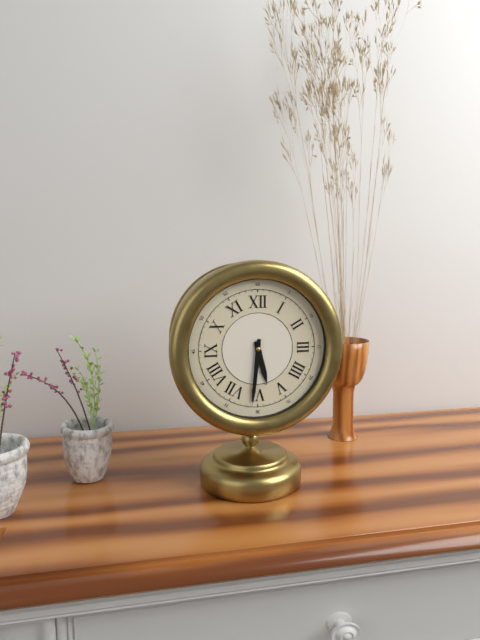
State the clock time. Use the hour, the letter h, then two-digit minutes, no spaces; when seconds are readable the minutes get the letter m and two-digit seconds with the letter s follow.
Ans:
5h31
